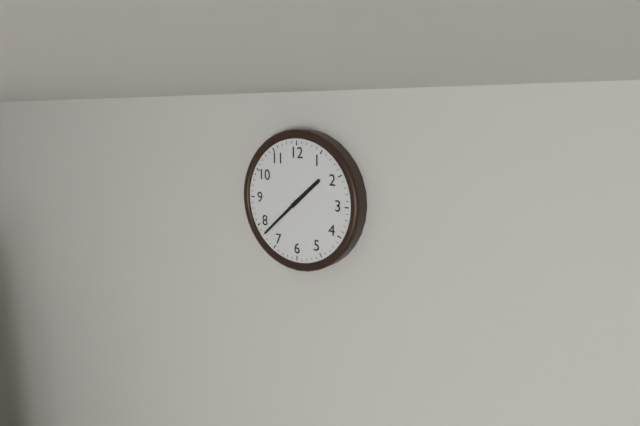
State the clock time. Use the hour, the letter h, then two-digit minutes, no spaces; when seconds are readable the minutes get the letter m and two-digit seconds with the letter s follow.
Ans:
1h38
